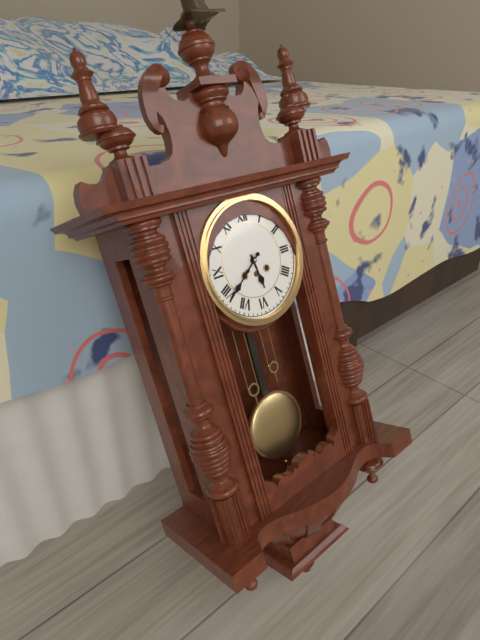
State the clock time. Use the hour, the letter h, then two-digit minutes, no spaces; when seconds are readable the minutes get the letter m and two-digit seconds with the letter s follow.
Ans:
5h39
